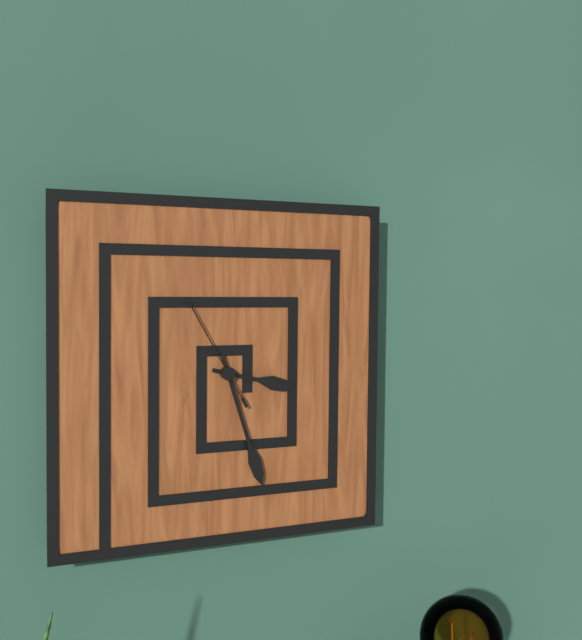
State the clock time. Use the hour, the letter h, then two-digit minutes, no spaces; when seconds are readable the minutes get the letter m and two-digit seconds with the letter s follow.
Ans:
3h27m55s
